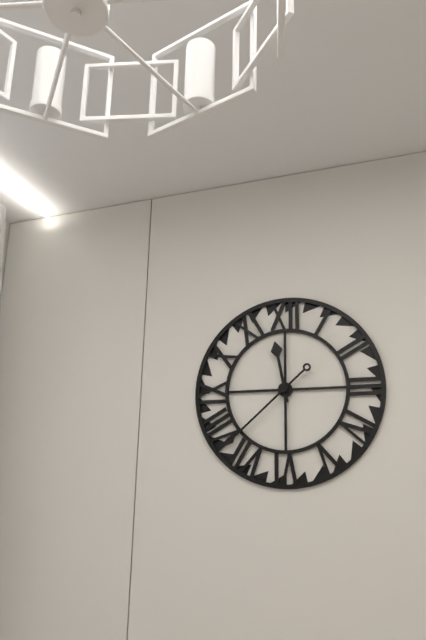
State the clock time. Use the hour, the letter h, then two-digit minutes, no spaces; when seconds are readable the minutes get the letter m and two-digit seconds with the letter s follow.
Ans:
11h38
